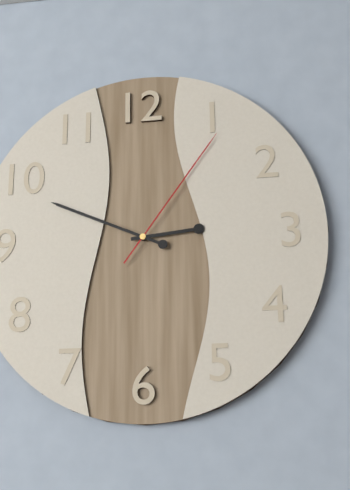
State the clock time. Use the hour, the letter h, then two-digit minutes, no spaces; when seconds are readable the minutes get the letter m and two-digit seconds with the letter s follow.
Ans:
2h49m06s
